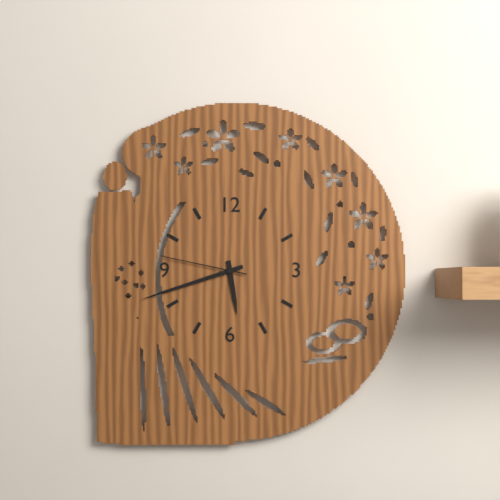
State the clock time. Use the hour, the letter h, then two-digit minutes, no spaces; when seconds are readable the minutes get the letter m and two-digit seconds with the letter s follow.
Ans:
5h42m47s
